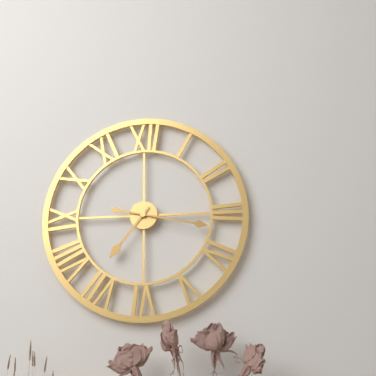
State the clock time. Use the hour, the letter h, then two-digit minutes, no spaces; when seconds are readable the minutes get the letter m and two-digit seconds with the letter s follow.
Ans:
7h17
